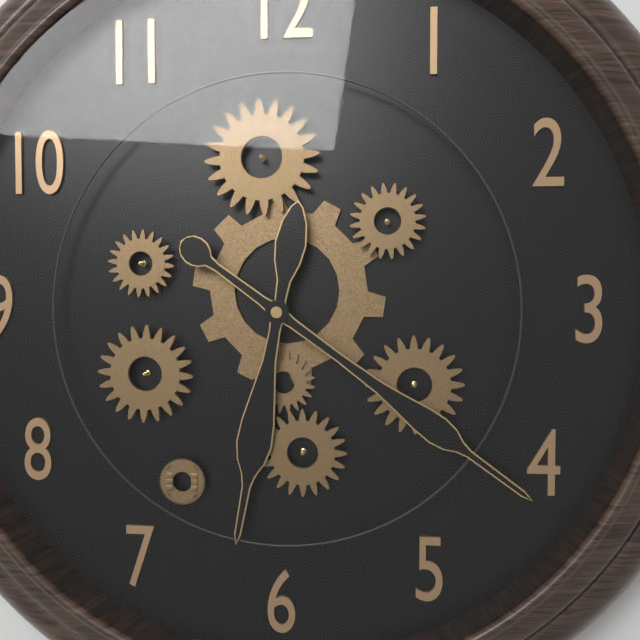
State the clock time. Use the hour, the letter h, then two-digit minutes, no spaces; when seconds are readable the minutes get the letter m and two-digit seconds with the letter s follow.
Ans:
6h21
